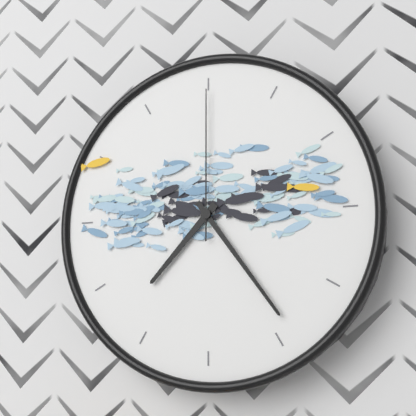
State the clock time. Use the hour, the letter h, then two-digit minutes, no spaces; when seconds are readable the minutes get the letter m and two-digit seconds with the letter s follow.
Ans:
7h24m00s
